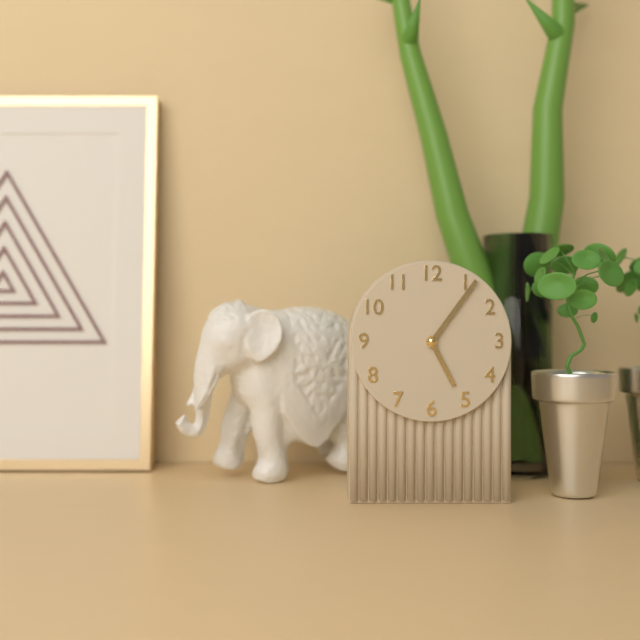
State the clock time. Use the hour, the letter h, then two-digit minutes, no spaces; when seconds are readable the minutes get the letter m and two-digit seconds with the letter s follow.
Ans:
5h06
